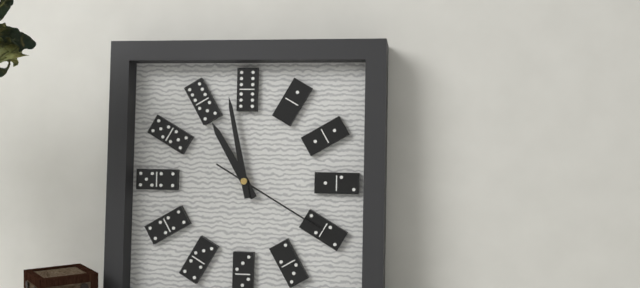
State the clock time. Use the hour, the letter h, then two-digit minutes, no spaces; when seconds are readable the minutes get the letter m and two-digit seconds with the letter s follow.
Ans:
10h58m20s
